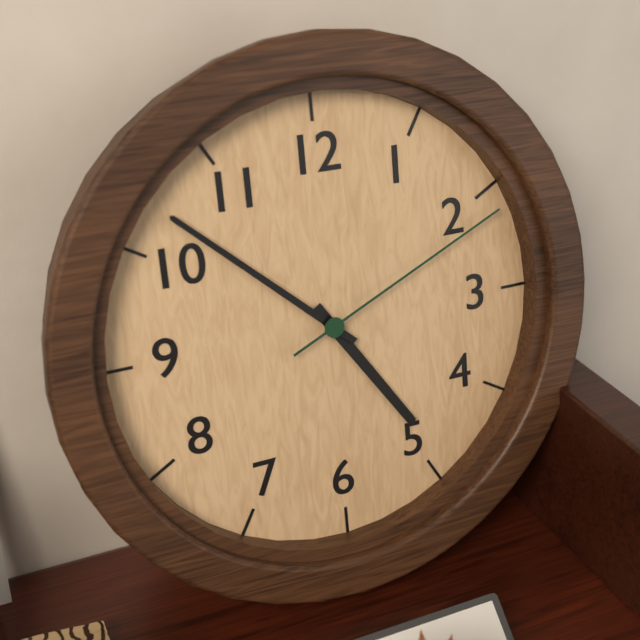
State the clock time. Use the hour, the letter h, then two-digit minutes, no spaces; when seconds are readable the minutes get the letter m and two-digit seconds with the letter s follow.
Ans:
4h52m11s
